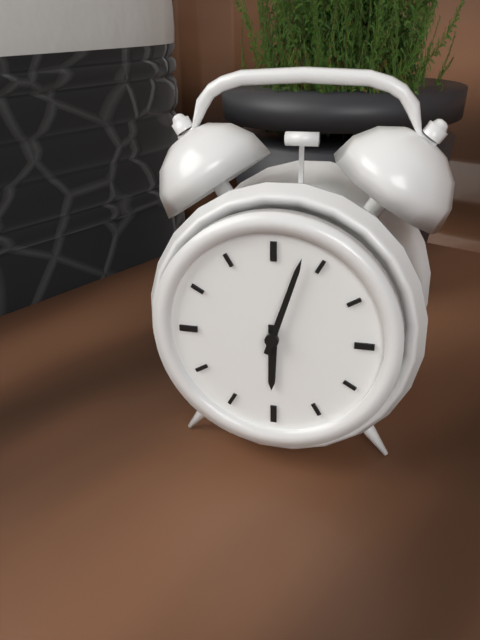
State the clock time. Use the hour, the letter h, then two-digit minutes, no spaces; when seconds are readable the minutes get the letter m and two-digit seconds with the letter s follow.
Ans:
6h03
